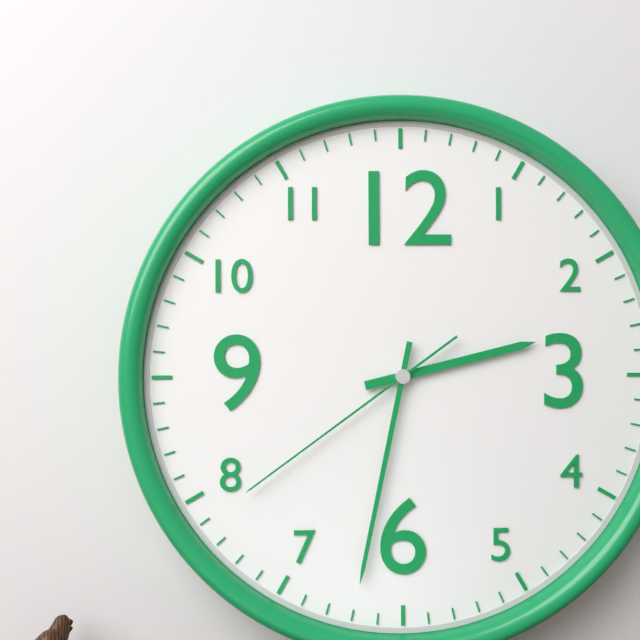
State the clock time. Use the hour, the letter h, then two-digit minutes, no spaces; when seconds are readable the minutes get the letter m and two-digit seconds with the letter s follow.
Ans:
2h32m39s
